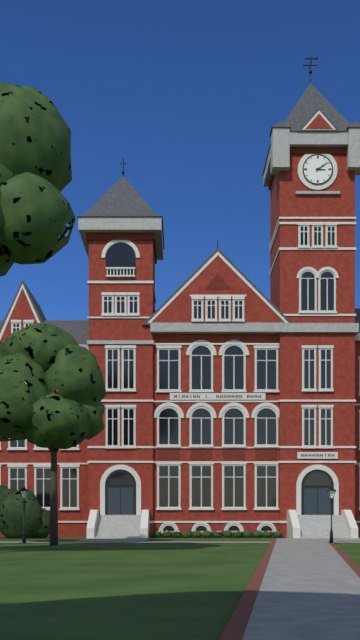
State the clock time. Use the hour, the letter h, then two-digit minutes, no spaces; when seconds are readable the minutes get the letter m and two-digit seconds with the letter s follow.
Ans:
3h09
